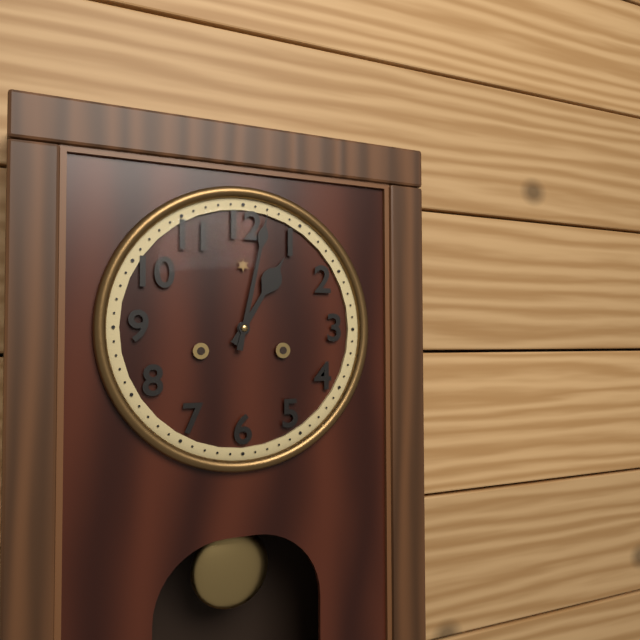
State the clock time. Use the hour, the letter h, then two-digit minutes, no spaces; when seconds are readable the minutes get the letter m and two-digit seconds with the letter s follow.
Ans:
1h02
